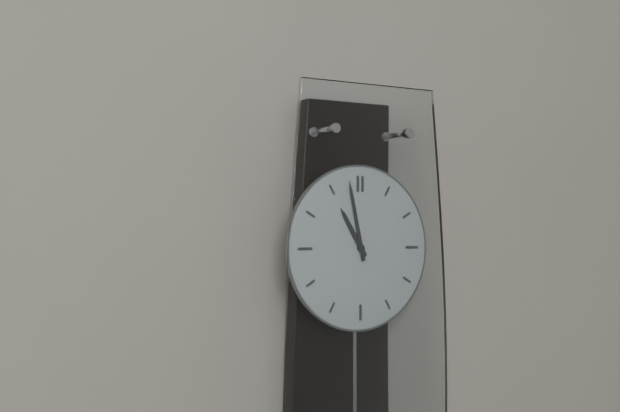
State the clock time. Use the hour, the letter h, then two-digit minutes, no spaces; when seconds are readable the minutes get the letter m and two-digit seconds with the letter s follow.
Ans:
10h58
